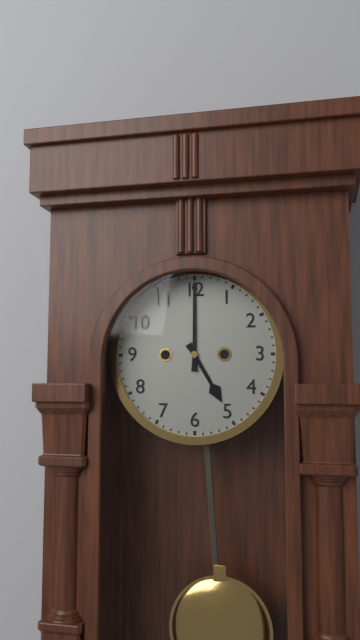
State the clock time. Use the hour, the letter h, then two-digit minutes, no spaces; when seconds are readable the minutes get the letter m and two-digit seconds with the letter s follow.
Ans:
5h00
